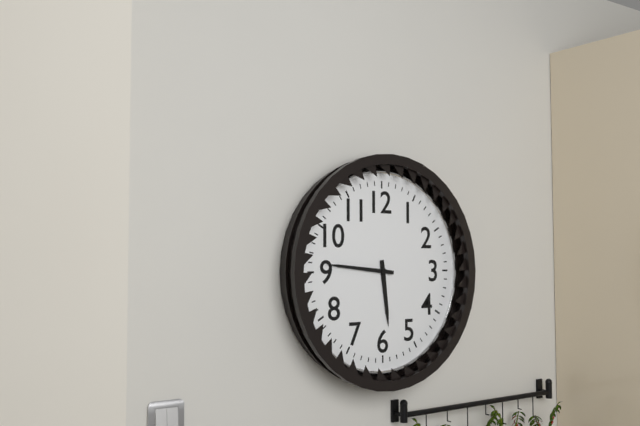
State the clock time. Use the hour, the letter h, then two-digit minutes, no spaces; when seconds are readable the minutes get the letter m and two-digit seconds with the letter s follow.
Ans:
5h46
